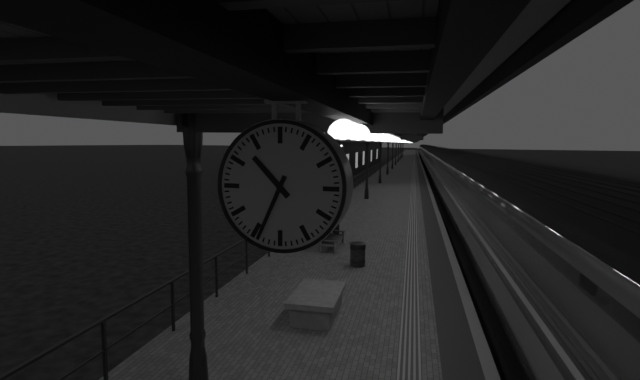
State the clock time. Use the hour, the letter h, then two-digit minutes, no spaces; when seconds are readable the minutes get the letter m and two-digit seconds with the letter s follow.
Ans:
10h34
